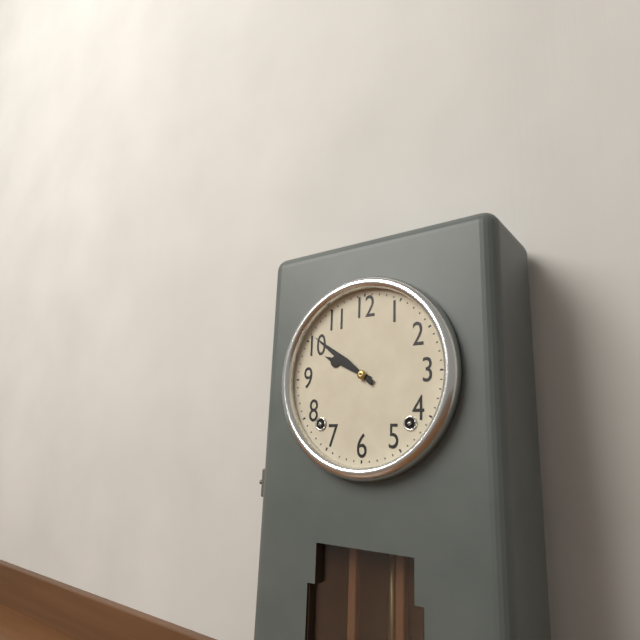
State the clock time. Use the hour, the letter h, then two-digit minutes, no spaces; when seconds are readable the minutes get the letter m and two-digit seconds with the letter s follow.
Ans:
9h51
